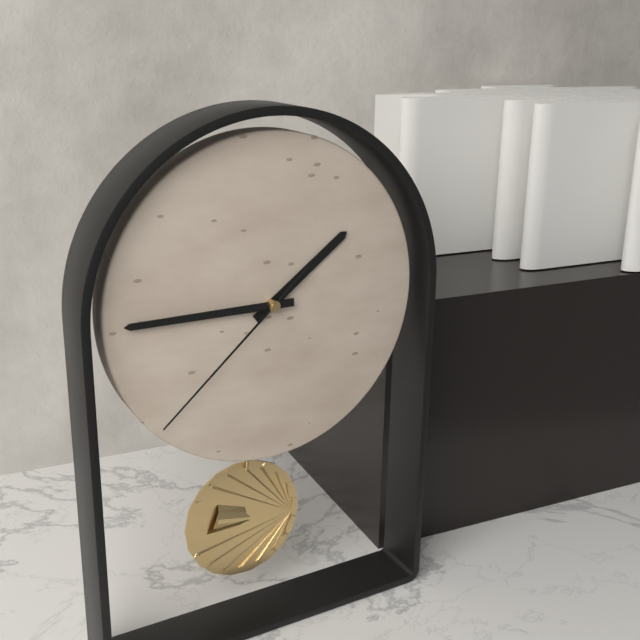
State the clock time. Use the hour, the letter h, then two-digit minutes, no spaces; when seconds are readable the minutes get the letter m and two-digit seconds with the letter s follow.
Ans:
1h45m38s
